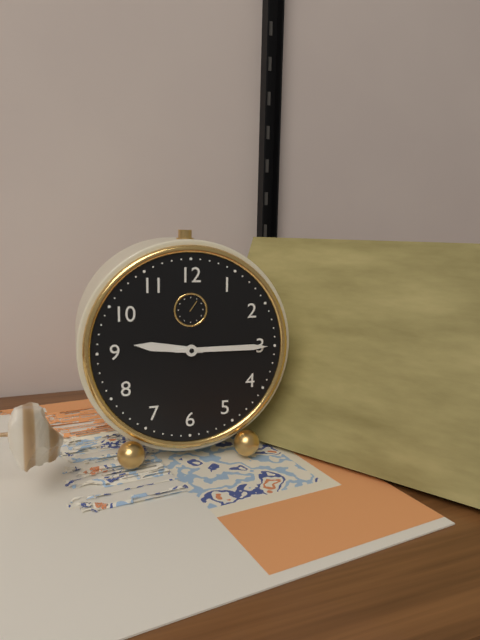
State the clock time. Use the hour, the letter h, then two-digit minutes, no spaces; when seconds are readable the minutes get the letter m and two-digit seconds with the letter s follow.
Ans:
9h15
